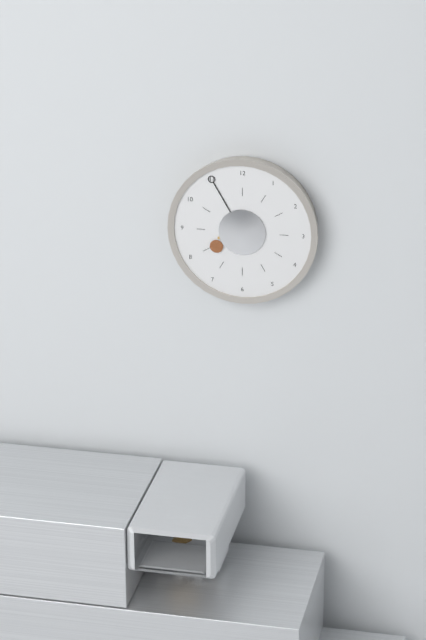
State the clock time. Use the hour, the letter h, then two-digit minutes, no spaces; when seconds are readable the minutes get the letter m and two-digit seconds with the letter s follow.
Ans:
7h55
